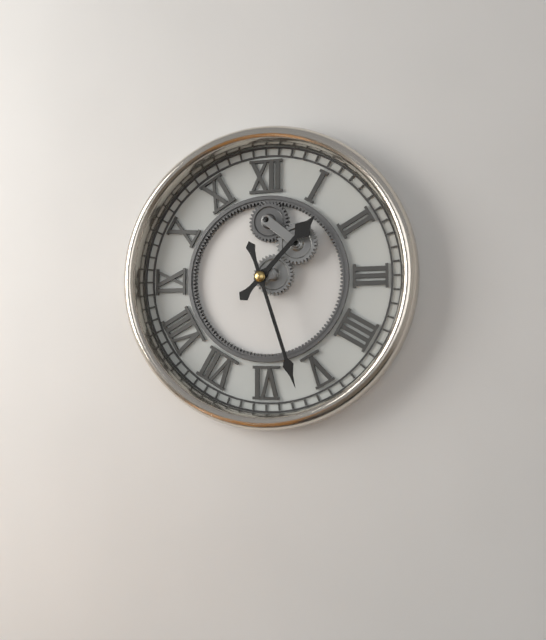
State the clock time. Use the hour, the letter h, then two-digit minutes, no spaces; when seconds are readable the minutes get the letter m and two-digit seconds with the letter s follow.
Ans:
1h27
